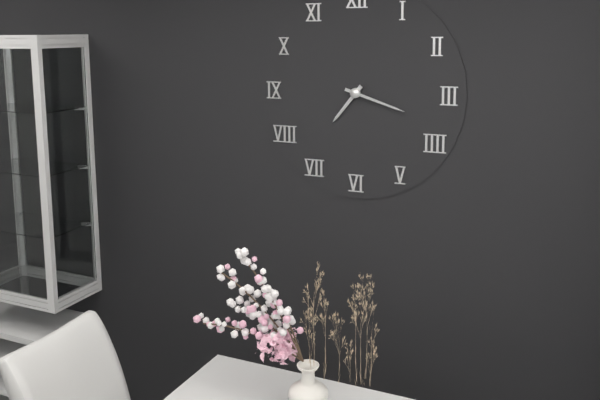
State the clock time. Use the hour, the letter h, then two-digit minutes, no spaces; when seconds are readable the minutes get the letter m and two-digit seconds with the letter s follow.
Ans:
7h18
